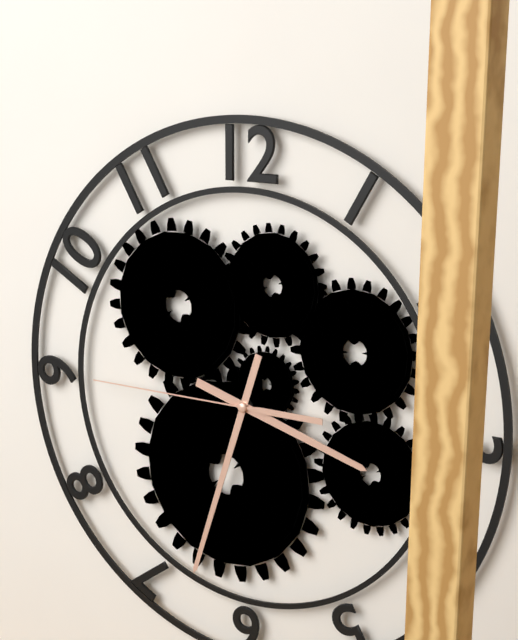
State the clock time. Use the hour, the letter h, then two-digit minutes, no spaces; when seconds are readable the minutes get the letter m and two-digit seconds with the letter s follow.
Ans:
3h33m45s
